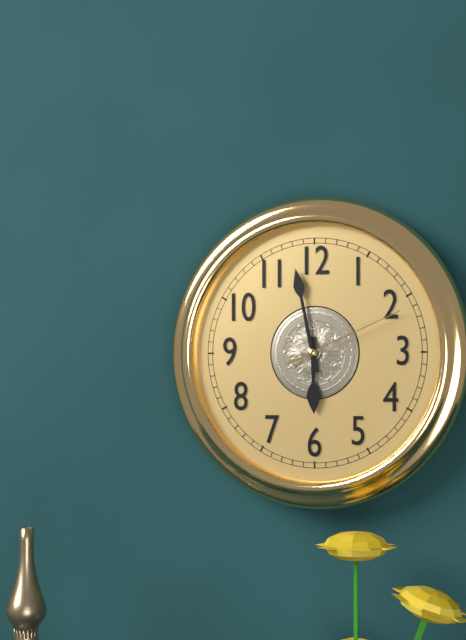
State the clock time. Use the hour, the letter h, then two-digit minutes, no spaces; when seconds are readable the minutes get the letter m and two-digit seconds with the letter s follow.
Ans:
5h58m11s
